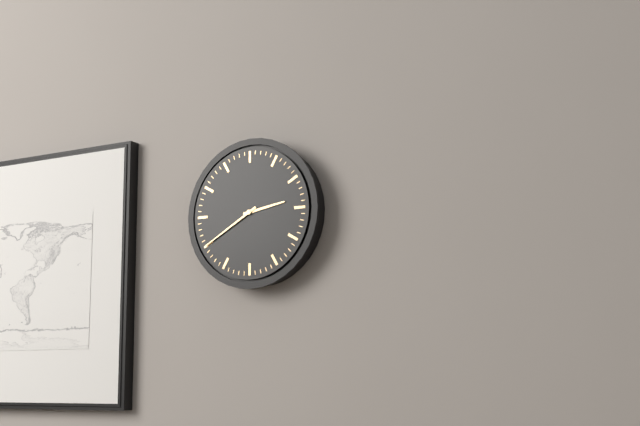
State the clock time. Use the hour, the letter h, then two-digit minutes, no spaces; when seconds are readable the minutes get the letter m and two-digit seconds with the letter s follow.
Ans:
2h40
